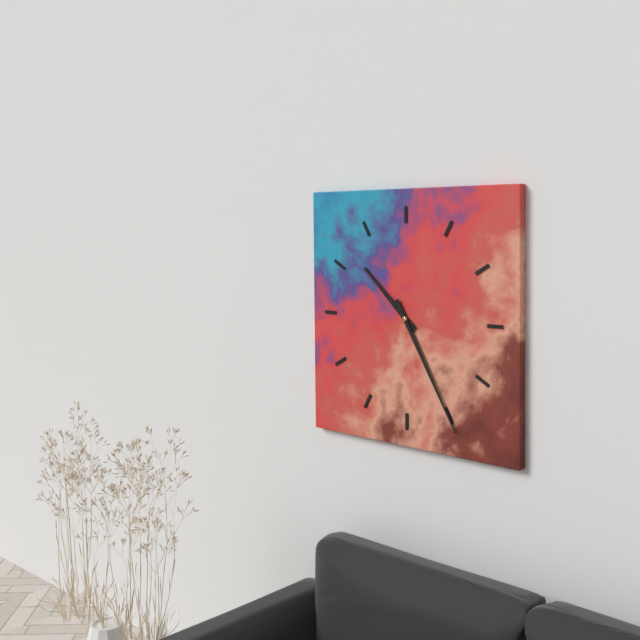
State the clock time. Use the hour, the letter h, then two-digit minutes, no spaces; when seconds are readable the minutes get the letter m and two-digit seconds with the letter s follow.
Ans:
10h25
